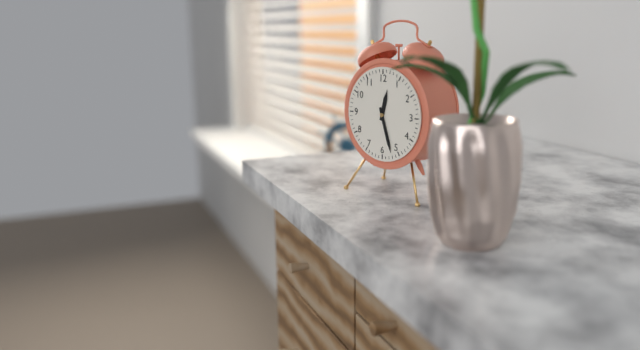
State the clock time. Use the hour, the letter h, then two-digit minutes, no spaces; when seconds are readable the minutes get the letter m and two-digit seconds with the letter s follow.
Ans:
12h27
